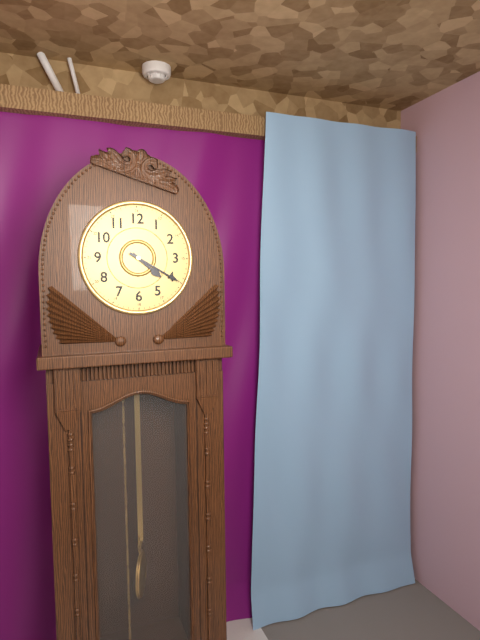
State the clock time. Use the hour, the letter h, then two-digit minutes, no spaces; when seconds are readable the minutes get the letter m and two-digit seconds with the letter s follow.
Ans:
4h20
